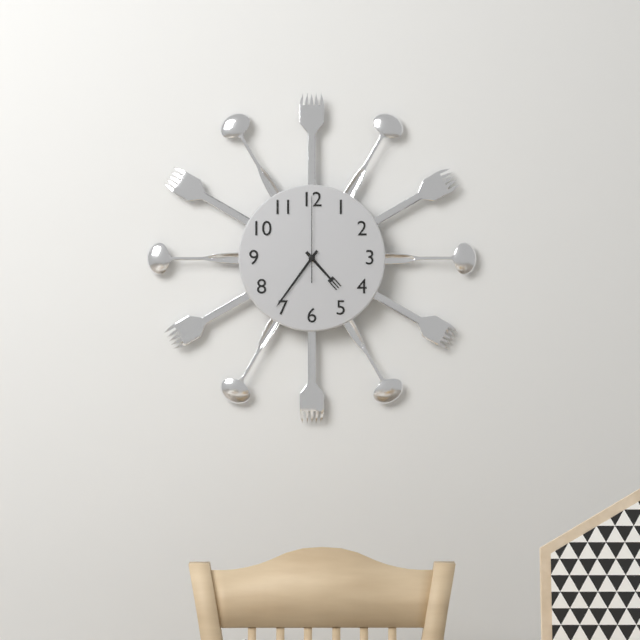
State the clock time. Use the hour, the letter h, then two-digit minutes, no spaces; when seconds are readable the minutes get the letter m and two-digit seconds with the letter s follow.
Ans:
4h36m00s
